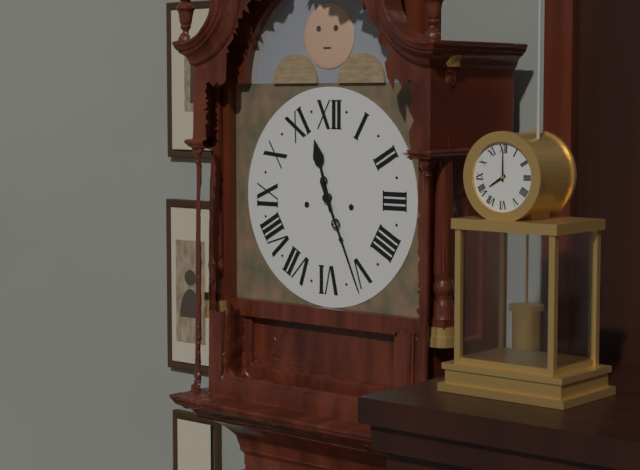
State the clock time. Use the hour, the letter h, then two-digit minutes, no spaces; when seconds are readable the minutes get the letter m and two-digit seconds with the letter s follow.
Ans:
11h26
